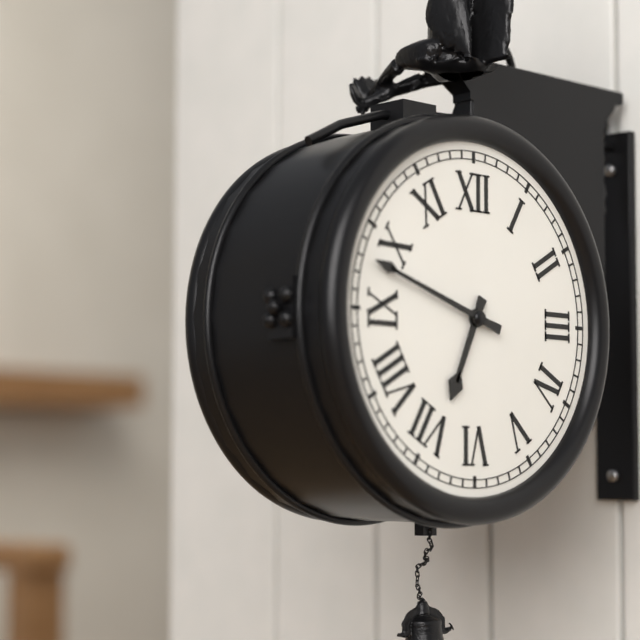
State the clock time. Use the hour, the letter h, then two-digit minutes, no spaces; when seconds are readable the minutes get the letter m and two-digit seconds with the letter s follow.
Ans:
6h48
